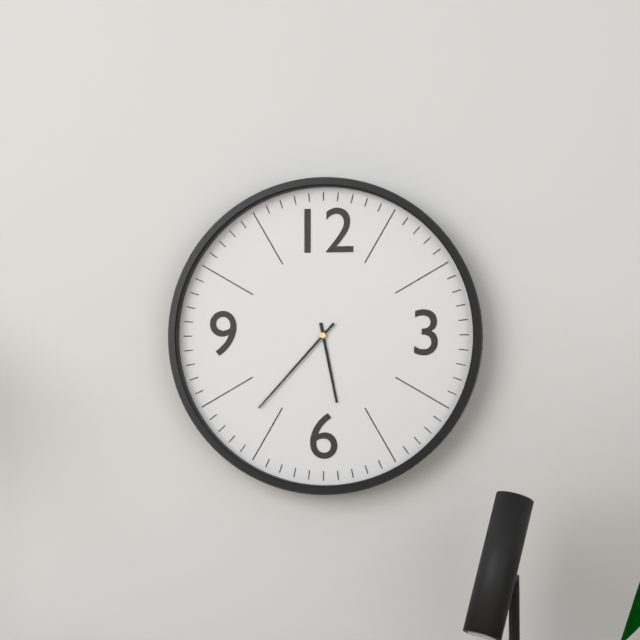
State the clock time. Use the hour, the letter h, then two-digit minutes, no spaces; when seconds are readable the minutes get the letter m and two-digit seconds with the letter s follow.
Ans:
5h37
